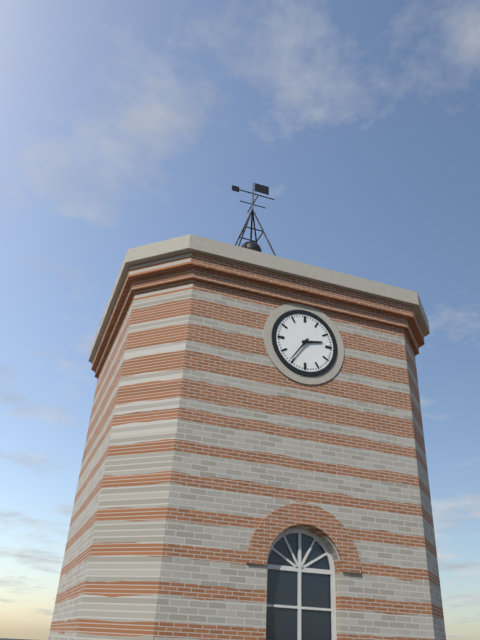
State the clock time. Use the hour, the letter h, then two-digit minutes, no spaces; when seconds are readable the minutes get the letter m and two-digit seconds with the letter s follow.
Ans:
2h36
